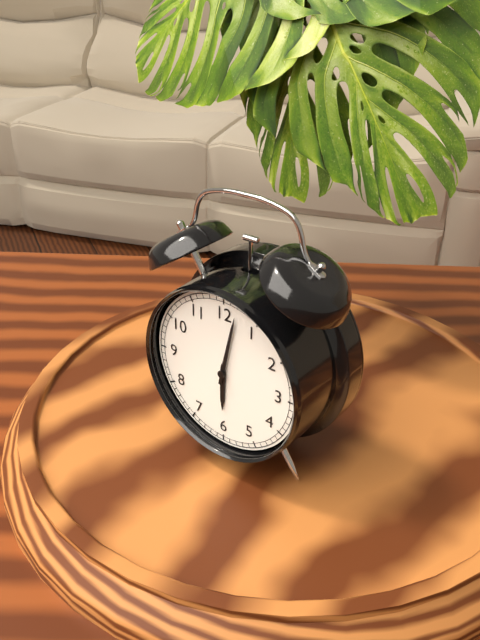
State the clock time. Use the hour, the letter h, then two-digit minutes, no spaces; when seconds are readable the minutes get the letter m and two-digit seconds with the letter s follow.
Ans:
6h02
